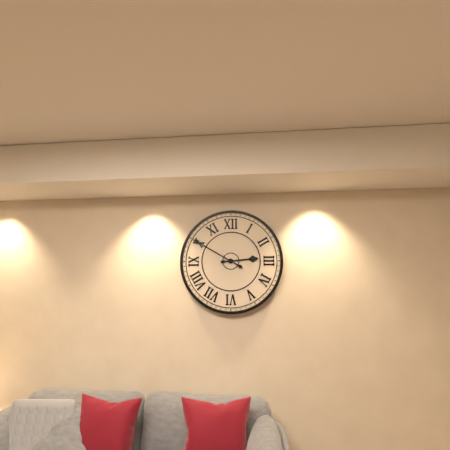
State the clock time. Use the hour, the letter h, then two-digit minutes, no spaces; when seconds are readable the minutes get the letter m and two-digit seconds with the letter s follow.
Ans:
2h50
